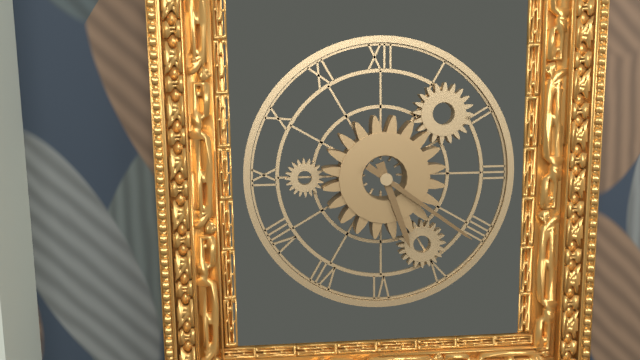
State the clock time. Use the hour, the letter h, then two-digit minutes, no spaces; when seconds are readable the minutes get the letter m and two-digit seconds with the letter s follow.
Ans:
5h21
